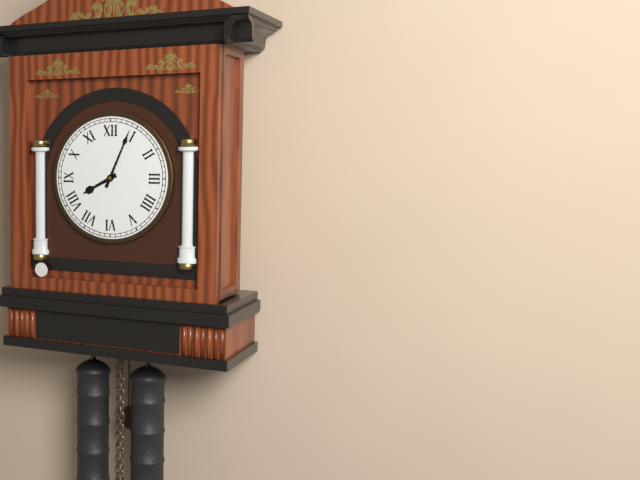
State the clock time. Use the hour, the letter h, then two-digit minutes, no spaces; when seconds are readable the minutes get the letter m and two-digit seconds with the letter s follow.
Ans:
8h04
